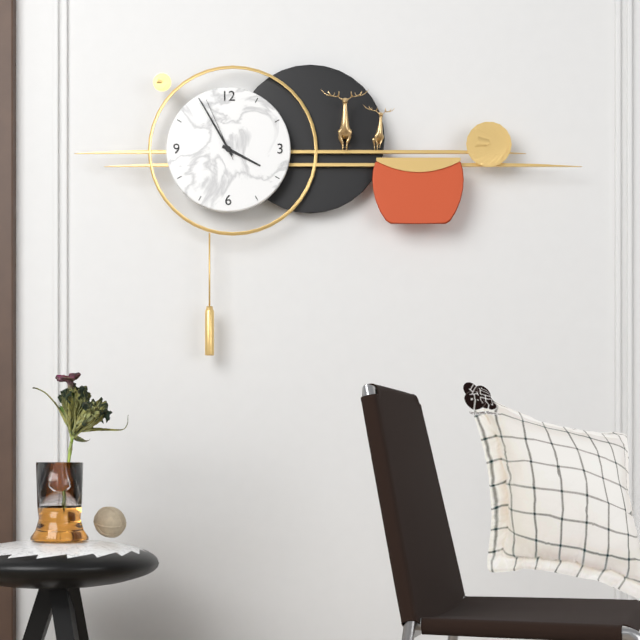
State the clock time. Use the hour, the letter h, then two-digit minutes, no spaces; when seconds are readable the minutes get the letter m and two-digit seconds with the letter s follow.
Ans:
3h55m56s
